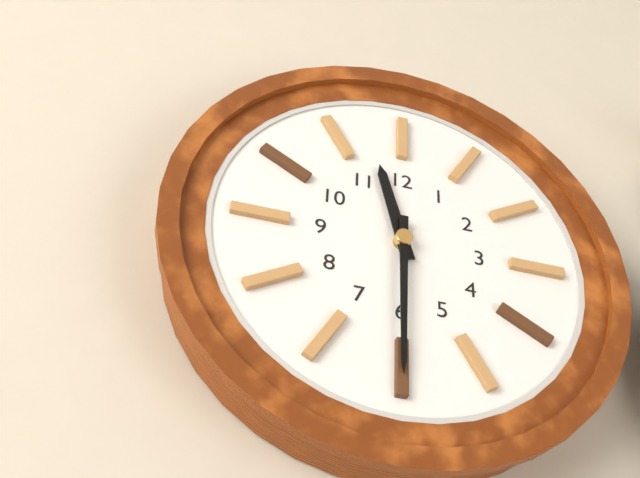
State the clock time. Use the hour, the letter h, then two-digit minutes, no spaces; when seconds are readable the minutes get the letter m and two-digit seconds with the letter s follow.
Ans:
11h30
